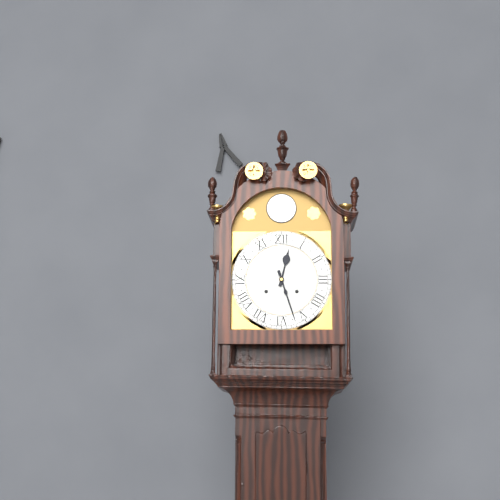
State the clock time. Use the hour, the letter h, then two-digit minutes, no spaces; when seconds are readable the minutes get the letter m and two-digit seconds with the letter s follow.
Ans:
12h27
